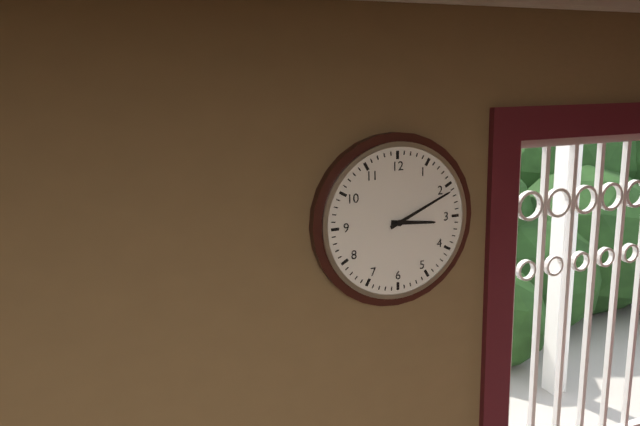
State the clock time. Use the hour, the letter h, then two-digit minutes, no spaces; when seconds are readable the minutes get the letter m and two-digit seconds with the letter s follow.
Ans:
3h11
